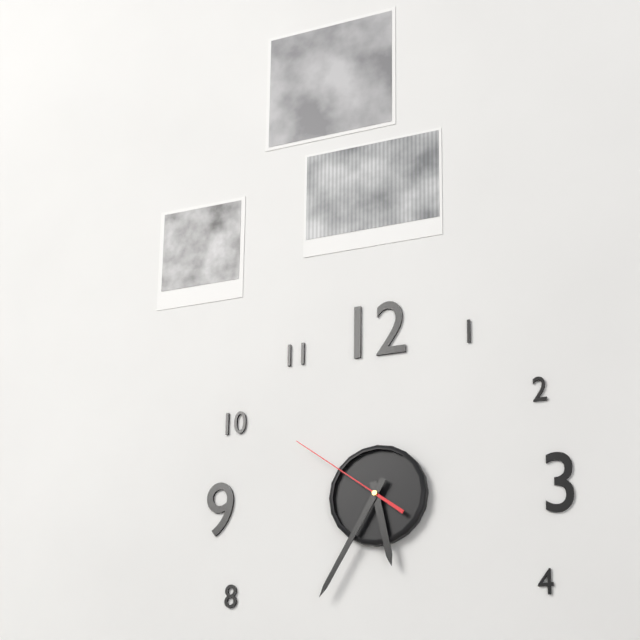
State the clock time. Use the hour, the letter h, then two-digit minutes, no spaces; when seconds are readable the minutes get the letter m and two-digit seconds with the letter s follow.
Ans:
5h35m51s
